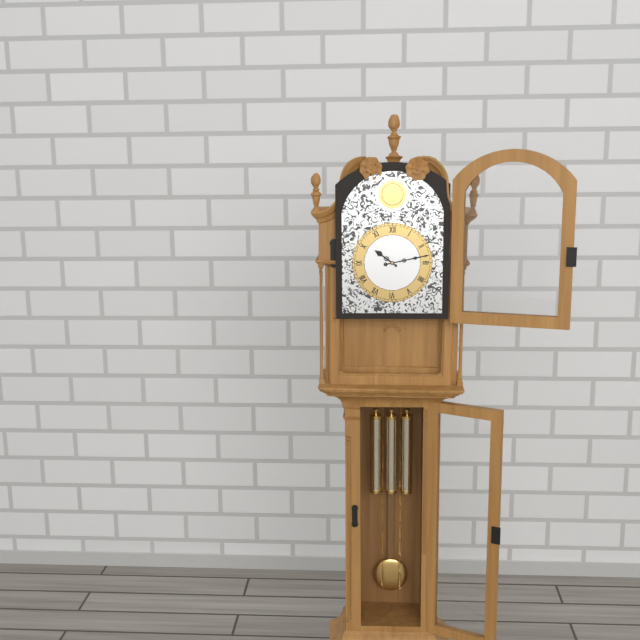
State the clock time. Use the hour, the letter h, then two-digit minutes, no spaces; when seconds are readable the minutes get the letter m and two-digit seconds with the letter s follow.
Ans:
10h13
